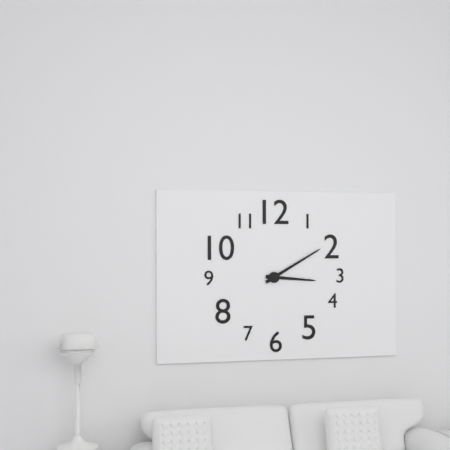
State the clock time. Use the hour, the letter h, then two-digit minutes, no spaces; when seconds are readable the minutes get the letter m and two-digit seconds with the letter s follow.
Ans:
3h10
